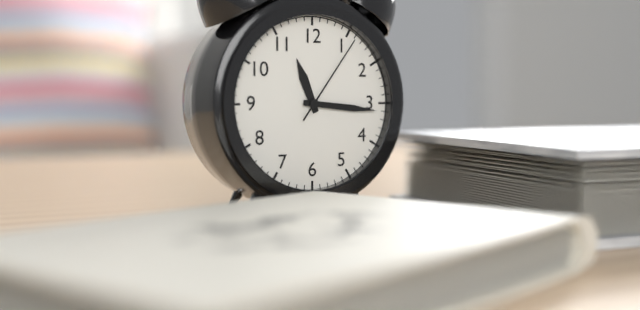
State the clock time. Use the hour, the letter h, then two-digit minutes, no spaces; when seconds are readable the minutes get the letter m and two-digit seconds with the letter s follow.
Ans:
11h16m06s
